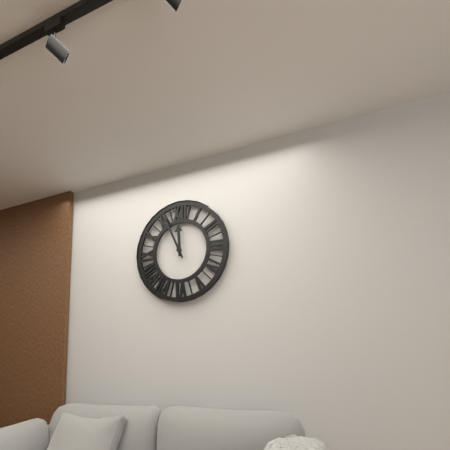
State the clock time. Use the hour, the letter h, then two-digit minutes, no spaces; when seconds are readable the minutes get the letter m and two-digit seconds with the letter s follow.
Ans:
11h56
